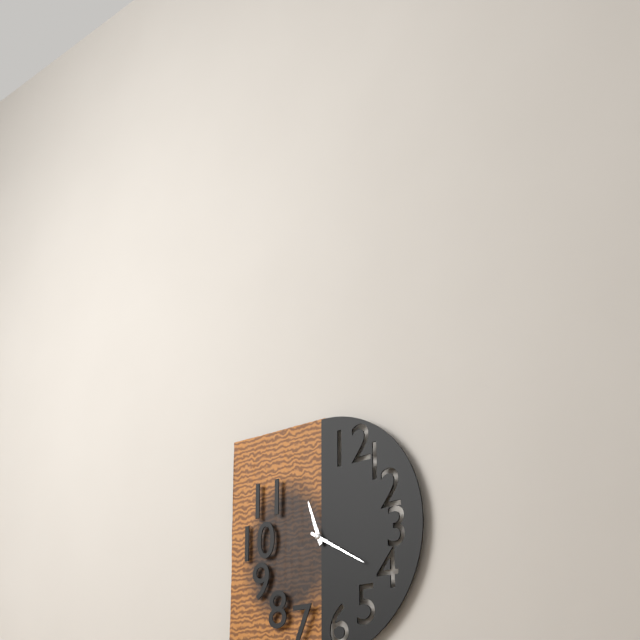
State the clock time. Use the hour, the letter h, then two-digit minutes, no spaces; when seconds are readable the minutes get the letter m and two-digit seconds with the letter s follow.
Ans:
11h20
